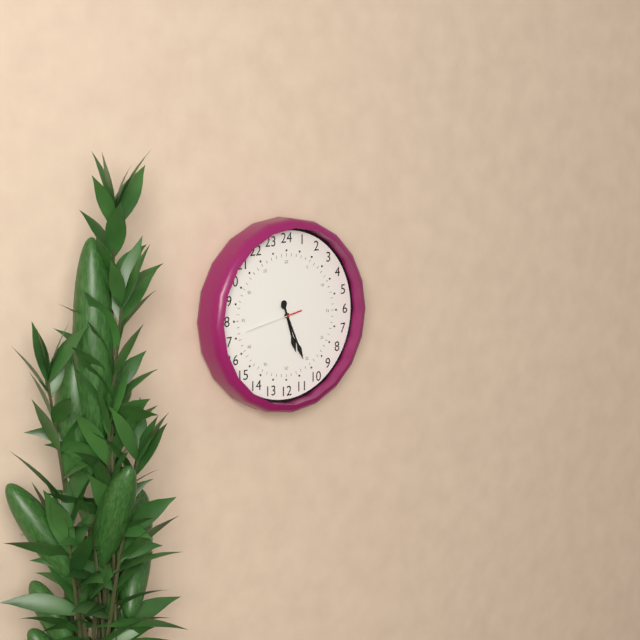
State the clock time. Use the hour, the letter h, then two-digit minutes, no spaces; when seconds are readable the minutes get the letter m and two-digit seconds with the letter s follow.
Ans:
5h26
